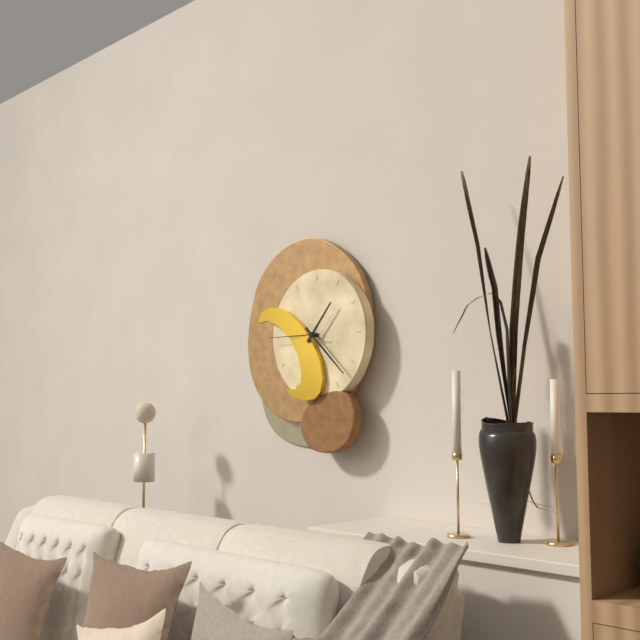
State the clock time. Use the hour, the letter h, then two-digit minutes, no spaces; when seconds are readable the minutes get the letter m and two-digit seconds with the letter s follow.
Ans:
1h22m45s
